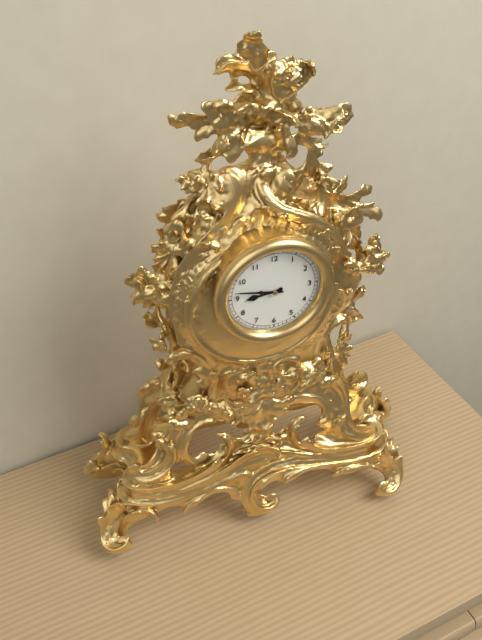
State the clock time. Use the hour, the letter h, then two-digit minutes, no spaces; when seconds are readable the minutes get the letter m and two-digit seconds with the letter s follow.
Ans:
8h47
